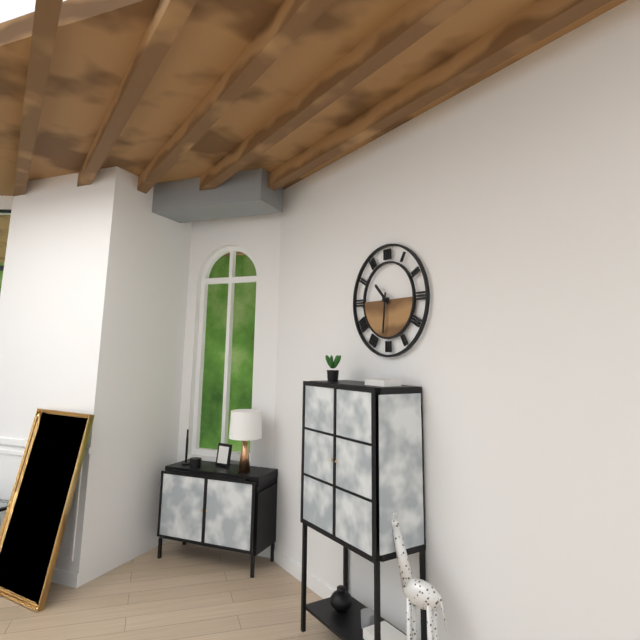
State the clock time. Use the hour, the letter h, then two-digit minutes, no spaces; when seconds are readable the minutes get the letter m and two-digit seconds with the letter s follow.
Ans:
10h31
